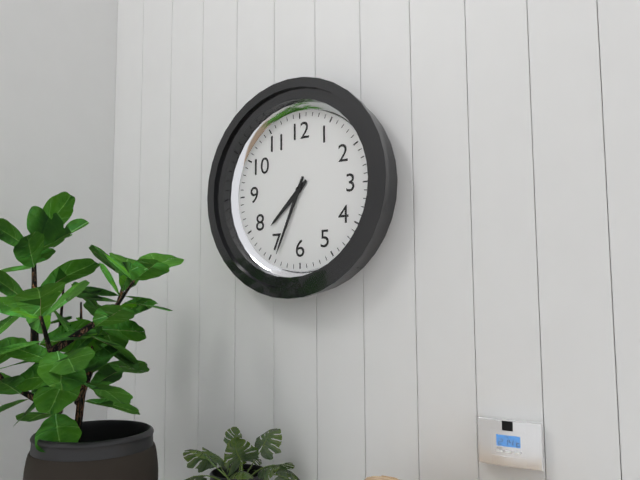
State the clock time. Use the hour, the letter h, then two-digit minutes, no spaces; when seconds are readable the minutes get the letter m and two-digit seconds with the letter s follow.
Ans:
7h34
